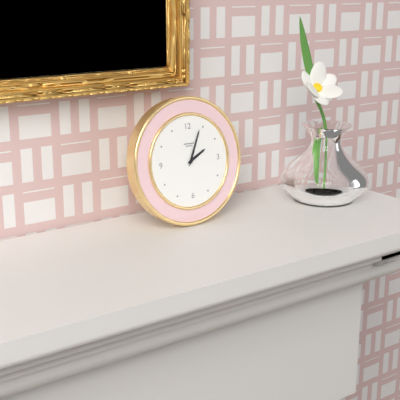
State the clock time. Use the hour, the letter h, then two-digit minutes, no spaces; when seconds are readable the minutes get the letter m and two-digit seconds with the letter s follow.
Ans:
2h04
